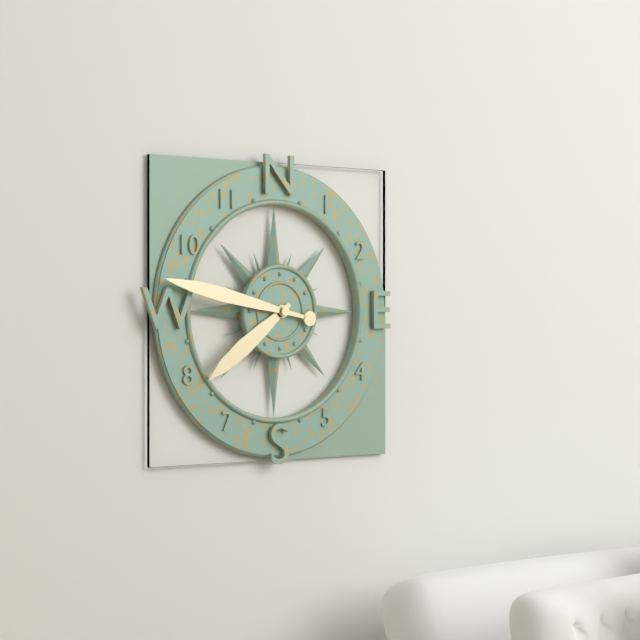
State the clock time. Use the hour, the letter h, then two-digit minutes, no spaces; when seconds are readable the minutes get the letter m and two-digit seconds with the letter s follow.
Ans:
7h47
